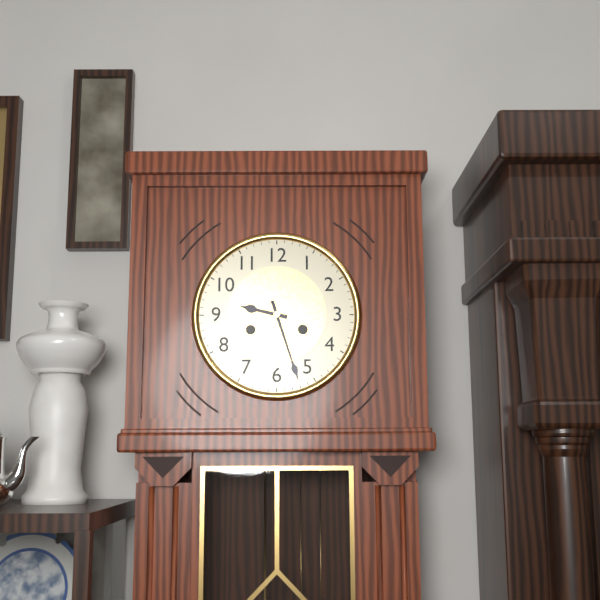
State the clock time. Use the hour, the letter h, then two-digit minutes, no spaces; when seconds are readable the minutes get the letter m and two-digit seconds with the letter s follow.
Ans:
9h27
